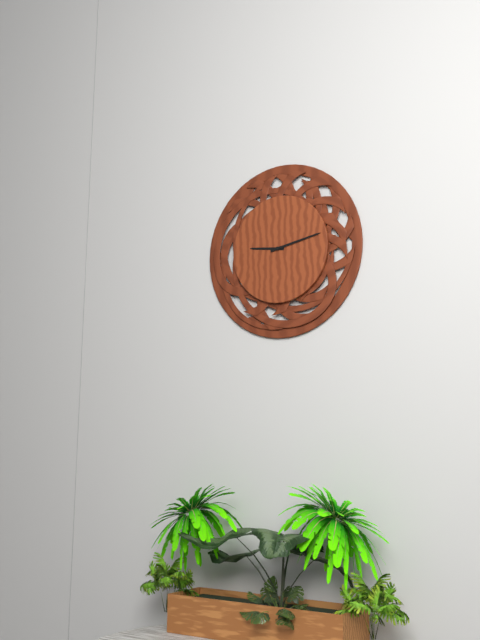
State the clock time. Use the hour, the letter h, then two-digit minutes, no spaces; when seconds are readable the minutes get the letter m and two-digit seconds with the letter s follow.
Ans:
9h13
